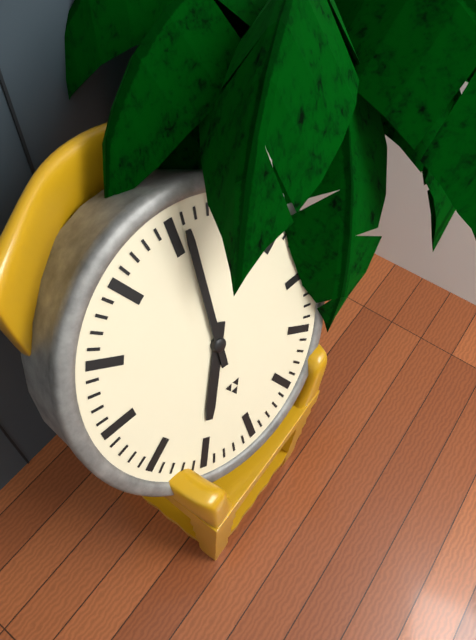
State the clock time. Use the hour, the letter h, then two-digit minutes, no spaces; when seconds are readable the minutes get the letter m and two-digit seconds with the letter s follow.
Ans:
7h01
